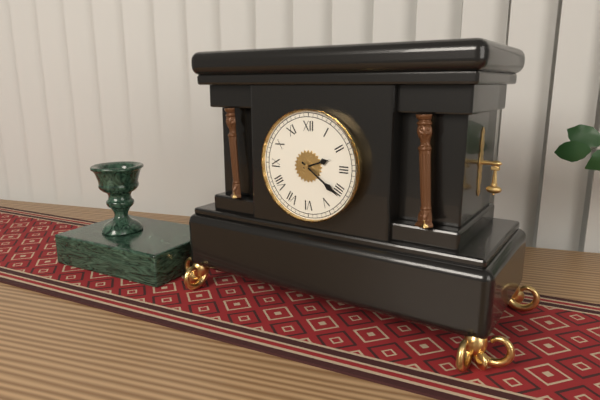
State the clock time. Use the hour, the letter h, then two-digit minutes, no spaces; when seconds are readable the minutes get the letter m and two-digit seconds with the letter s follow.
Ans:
2h21
